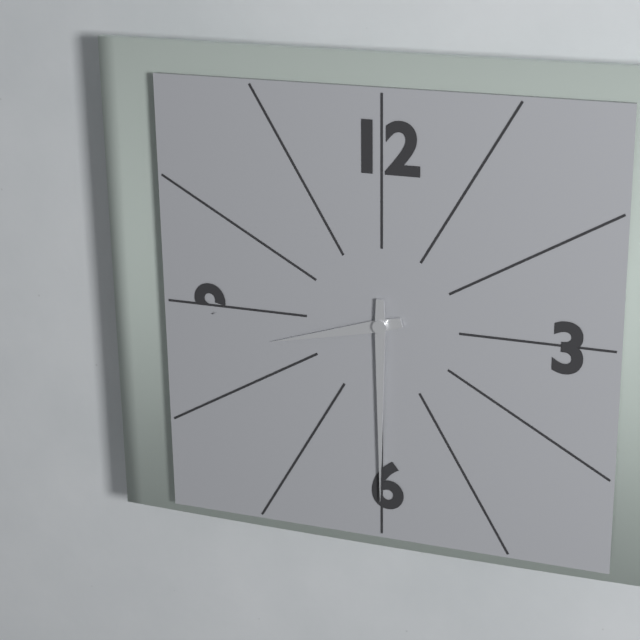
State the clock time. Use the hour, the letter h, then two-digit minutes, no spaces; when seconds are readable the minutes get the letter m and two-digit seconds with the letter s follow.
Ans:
8h30
